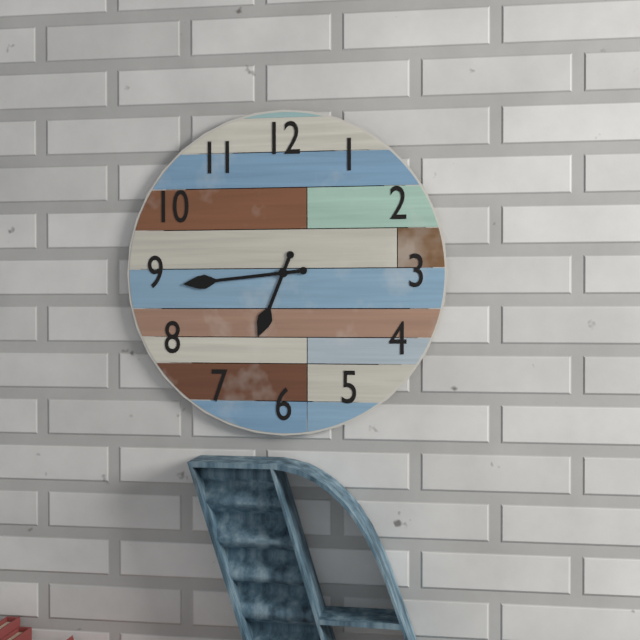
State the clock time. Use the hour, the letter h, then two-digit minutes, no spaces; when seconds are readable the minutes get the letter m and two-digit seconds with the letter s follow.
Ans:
6h44
